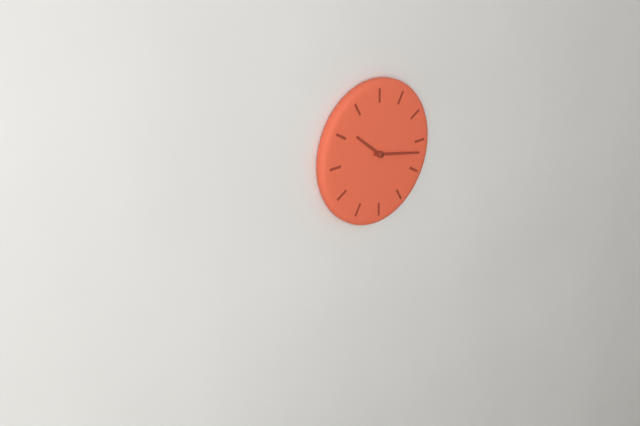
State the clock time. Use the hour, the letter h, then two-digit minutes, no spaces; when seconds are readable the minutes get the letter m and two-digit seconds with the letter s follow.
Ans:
10h17
